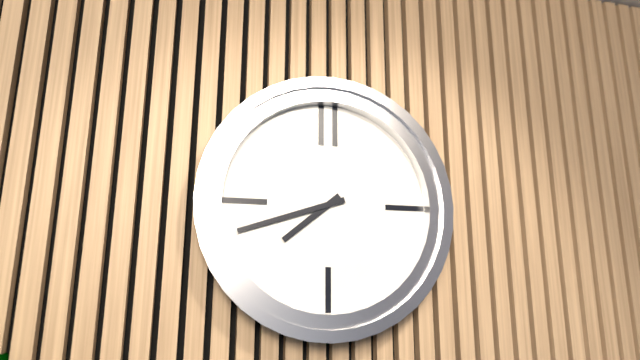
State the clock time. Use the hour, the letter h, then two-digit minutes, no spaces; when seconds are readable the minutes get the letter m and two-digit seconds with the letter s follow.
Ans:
7h42
